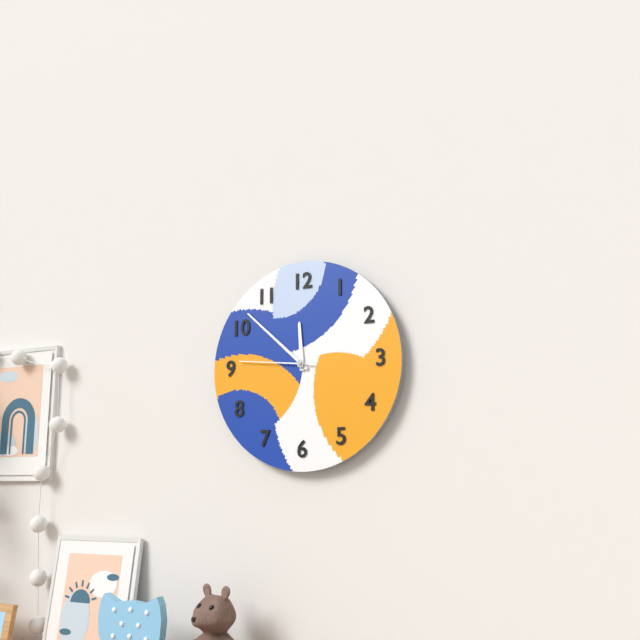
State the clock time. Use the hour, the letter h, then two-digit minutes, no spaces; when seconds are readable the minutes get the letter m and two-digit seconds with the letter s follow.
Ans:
11h52m46s
